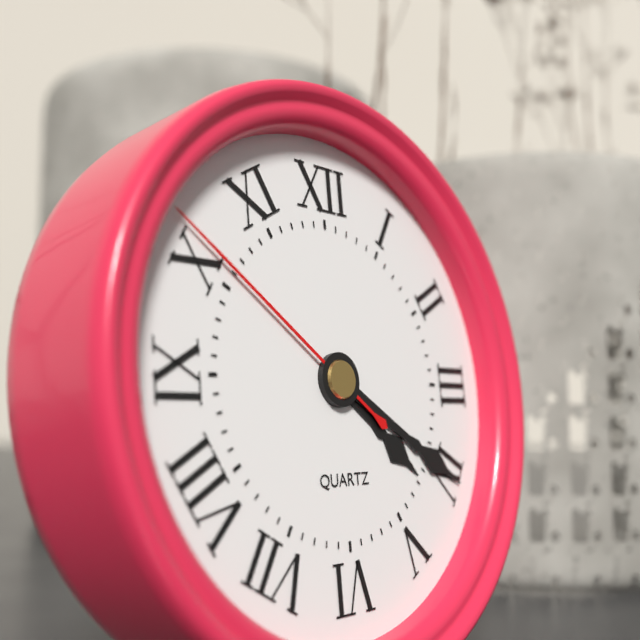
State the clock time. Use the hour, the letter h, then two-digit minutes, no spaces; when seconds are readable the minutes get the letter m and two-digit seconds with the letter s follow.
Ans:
4h20m51s
